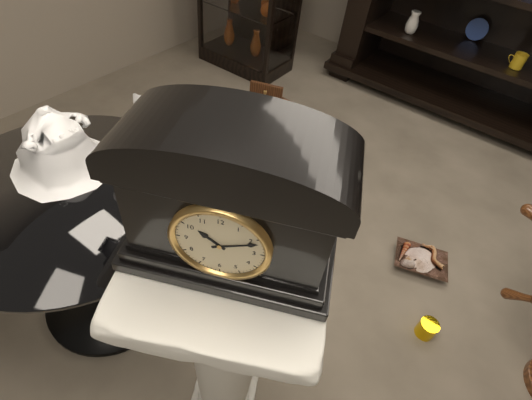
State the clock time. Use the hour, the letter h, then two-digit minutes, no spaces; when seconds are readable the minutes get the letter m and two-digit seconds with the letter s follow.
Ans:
10h11
